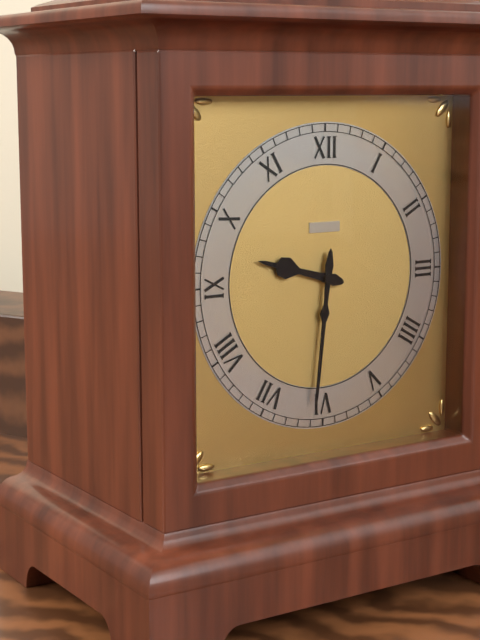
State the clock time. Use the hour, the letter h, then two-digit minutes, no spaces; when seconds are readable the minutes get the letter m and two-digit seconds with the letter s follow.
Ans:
9h31
